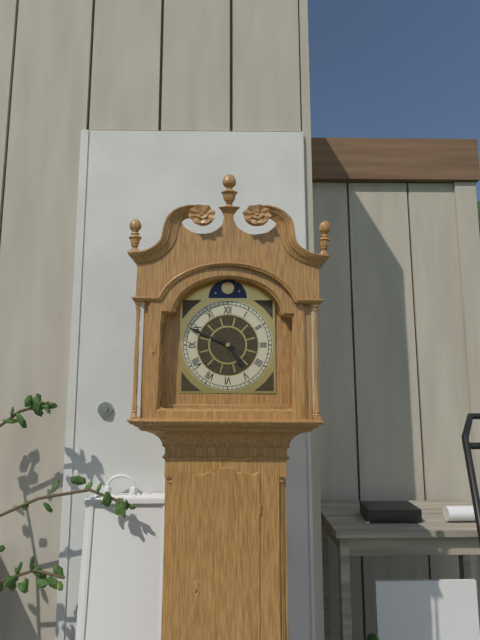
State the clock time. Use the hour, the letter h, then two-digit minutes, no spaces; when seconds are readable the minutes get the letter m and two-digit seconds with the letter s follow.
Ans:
4h49
